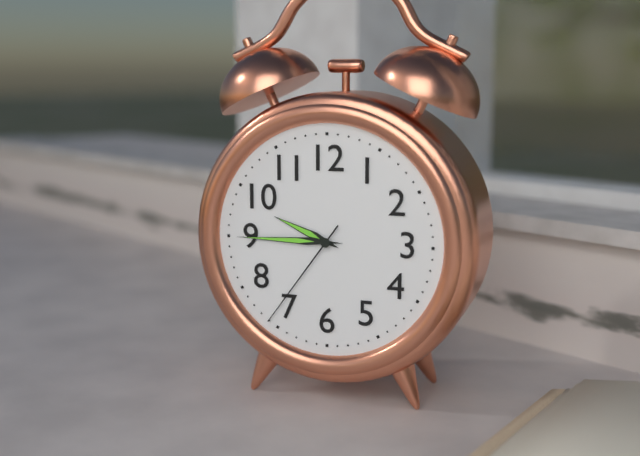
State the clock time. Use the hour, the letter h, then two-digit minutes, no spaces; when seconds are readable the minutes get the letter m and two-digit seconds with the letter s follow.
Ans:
9h45m36s
